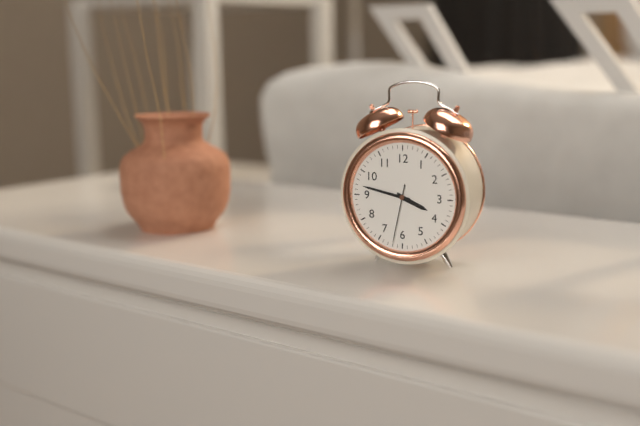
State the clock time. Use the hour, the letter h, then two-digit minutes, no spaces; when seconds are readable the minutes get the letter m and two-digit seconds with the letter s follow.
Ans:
3h47m32s
